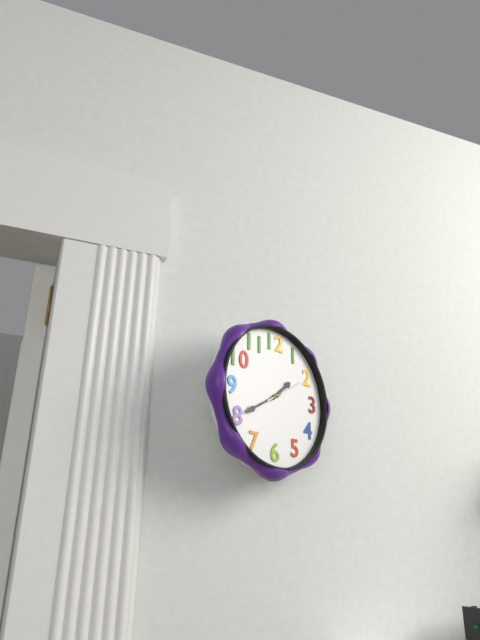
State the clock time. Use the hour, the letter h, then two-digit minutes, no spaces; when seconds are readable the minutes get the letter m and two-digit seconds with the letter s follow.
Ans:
1h40
